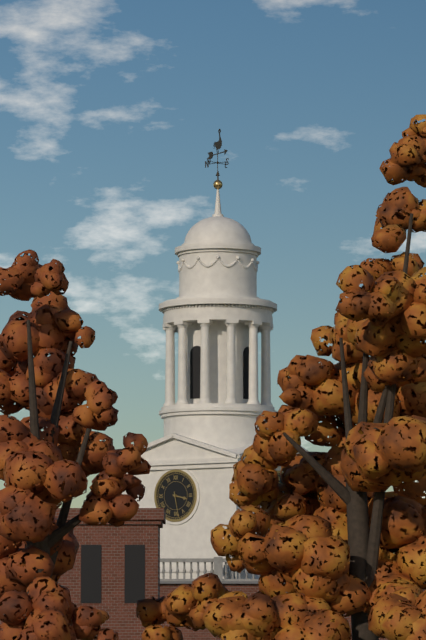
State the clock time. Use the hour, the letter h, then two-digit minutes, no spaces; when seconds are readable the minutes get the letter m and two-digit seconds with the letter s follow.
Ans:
3h28
